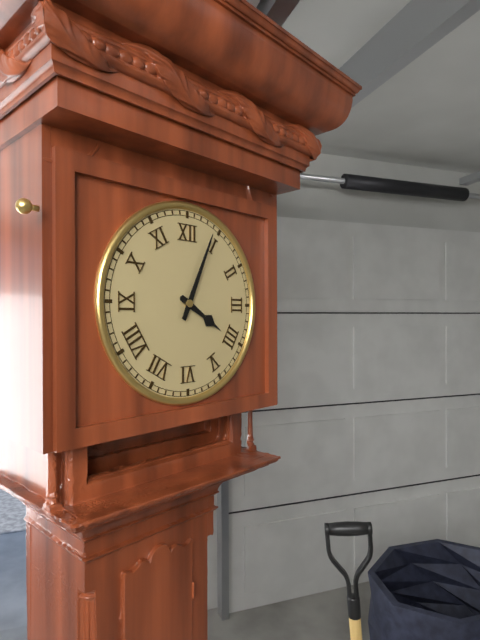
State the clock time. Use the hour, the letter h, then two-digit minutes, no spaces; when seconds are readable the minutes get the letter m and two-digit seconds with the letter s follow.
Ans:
4h04
